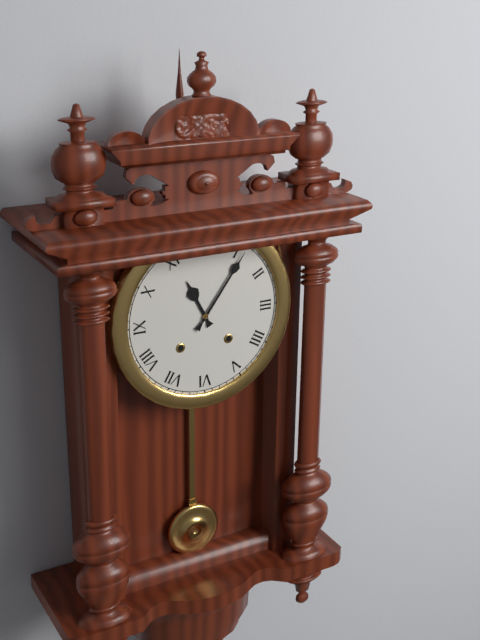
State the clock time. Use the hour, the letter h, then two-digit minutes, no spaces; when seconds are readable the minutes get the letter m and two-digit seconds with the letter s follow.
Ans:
11h06
